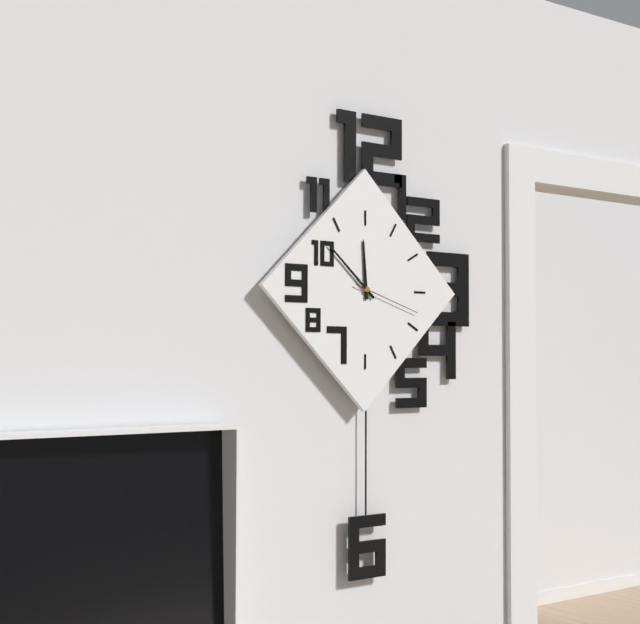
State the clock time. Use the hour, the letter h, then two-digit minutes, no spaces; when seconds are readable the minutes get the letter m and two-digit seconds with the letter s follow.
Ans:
11h52m18s
